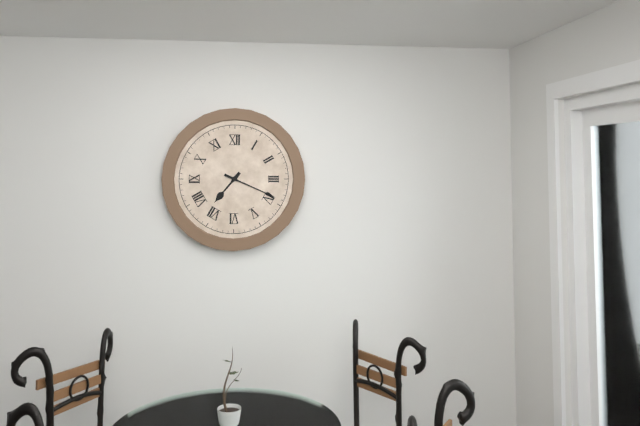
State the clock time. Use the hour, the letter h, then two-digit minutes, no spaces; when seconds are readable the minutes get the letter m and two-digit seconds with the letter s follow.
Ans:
7h19
